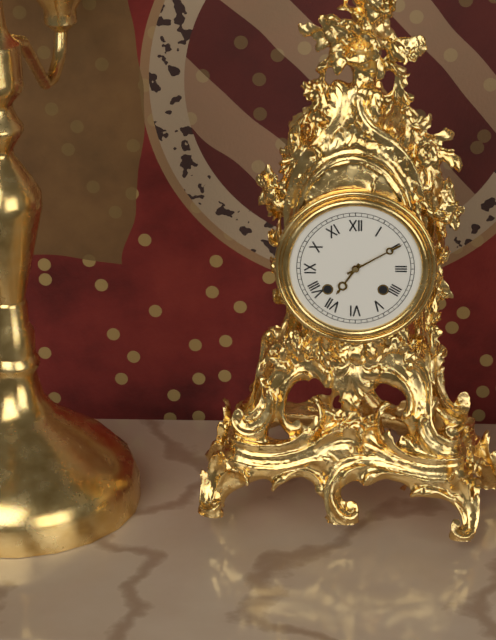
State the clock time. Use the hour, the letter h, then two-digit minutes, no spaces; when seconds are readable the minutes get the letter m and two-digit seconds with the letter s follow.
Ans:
7h10
